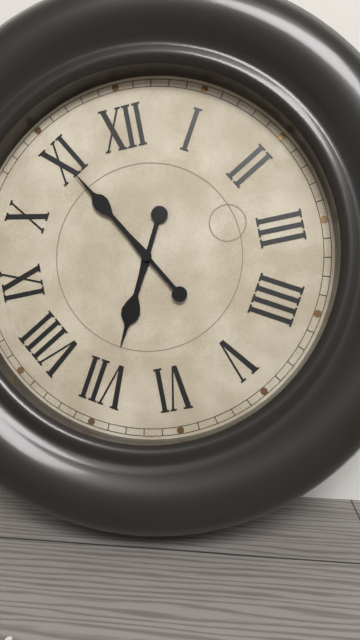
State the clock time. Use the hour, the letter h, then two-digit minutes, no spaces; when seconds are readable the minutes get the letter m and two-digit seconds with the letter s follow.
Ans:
6h55
